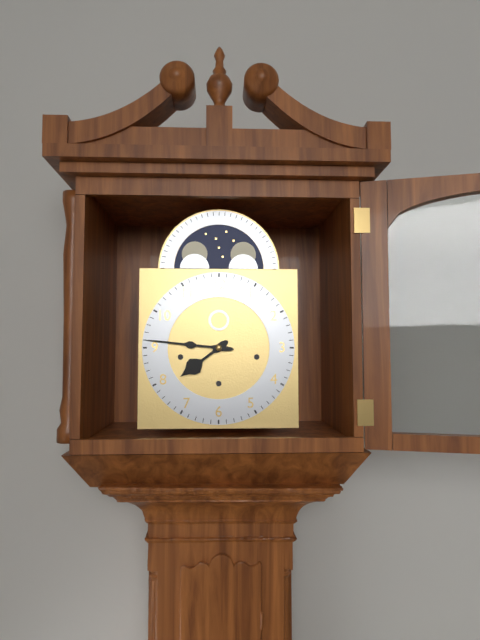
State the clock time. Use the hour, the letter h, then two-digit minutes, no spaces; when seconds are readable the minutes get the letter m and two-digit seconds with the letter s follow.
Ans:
7h46
